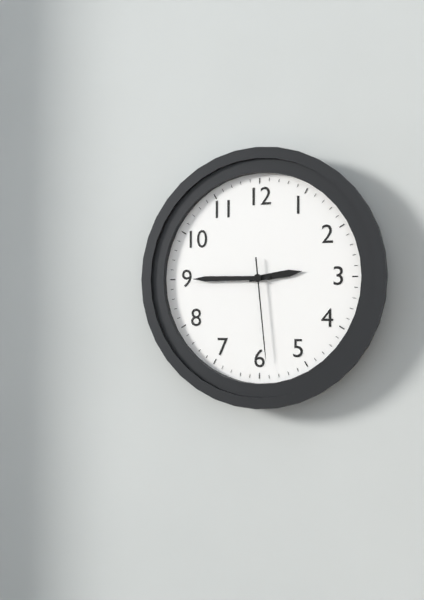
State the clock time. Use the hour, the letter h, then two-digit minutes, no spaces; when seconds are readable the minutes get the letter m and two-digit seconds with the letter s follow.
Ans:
2h45m29s
